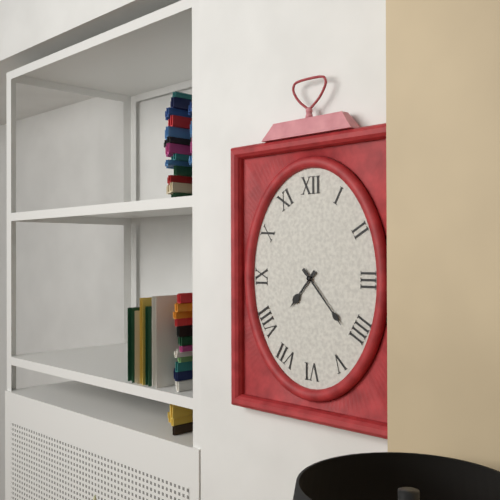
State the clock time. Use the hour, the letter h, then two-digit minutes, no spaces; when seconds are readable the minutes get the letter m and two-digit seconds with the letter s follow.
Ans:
7h23
